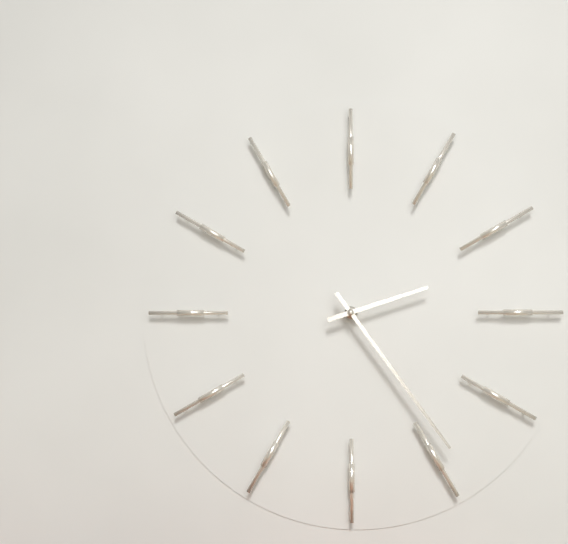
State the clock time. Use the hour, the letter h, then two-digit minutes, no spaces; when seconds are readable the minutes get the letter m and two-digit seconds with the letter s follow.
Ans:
2h24
